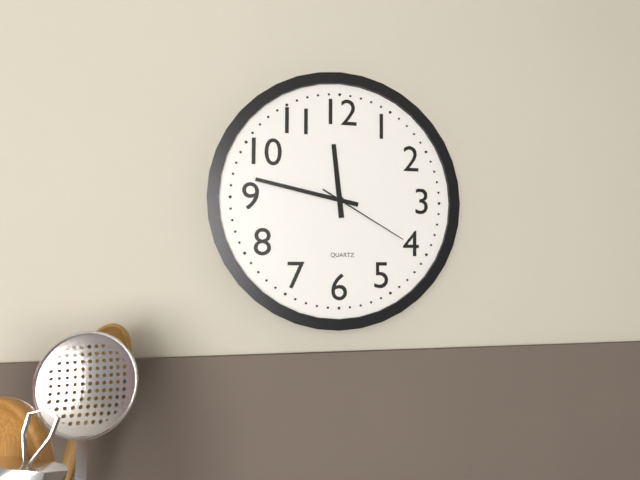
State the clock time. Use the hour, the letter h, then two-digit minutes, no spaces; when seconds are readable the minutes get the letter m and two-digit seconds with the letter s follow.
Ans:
11h47m20s
